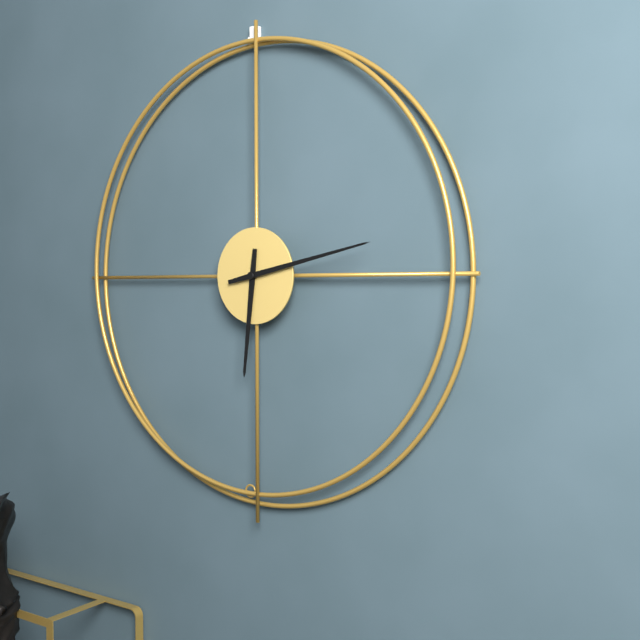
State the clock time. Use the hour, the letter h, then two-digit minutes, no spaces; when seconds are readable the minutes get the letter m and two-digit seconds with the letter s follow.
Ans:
6h13
